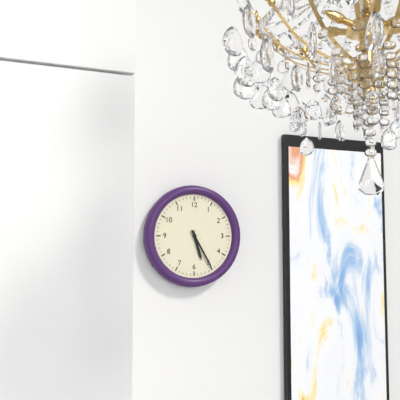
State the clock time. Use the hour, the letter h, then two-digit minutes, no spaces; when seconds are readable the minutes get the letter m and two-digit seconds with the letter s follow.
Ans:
5h25
